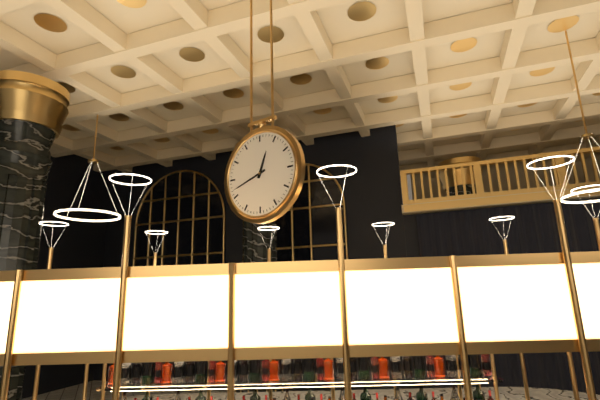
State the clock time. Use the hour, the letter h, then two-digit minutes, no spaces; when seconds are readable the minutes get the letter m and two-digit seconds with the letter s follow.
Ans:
12h42
